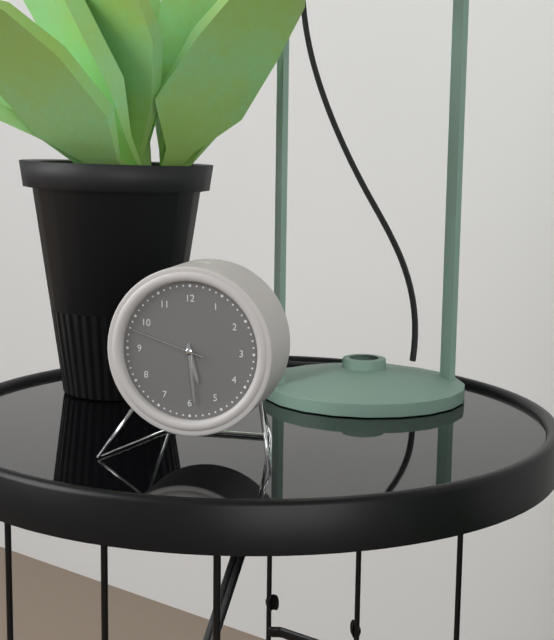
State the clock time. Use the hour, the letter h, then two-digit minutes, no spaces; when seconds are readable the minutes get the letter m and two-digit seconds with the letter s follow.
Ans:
5h29m48s
